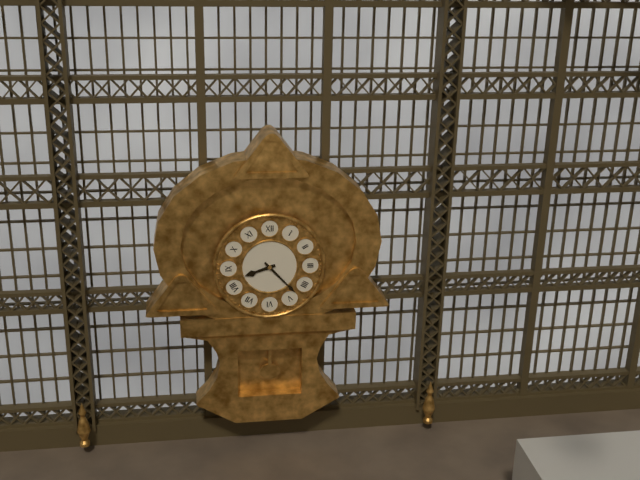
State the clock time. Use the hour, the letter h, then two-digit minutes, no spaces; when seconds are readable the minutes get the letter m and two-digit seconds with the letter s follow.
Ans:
8h23
